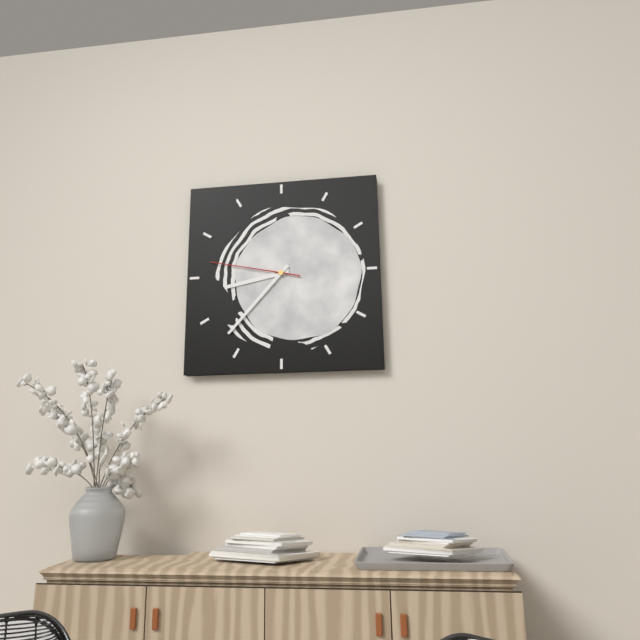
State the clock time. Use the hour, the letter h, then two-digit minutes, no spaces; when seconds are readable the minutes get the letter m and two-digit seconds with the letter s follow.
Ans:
8h37m47s
